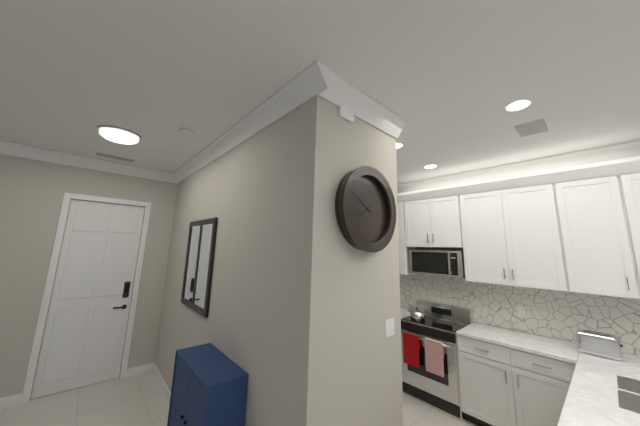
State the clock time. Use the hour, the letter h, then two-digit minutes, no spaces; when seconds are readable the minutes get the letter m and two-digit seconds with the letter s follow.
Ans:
7h50
